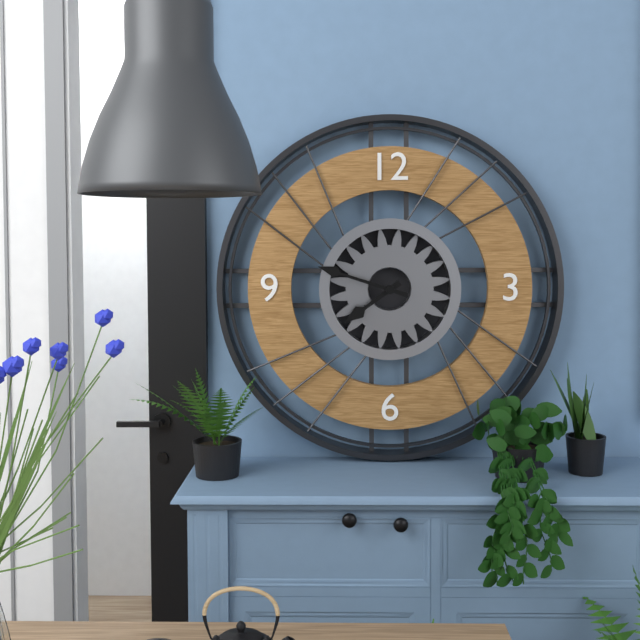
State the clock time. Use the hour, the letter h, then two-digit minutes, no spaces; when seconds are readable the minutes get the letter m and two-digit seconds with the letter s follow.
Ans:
7h48
